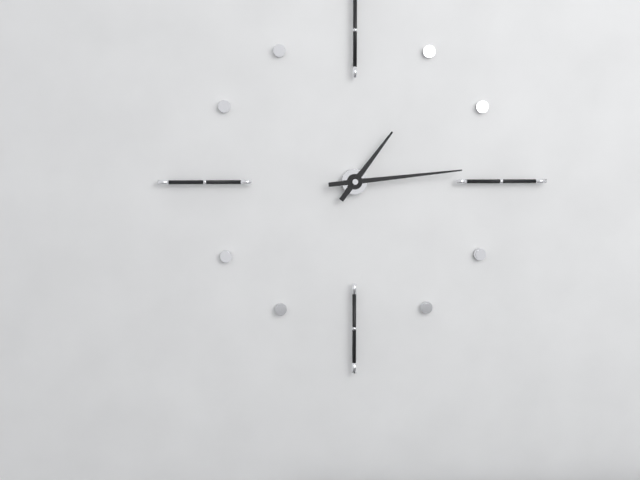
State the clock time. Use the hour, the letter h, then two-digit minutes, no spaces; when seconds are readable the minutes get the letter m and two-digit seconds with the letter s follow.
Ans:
1h14
